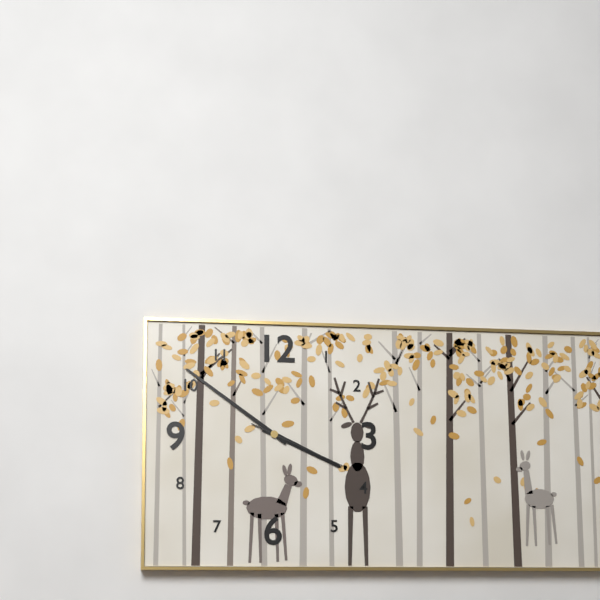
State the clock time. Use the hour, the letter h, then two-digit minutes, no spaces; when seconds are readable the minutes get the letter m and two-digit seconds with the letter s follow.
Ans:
3h51m19s
